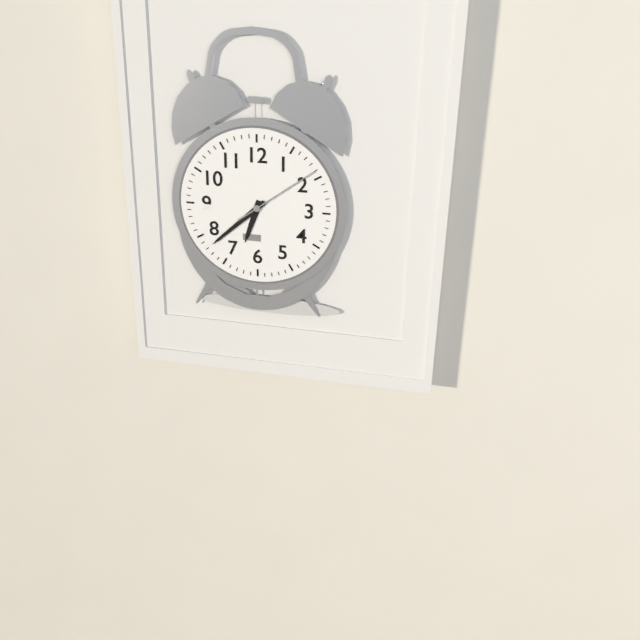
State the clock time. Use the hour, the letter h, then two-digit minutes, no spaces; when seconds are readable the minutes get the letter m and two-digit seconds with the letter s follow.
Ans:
6h38m09s
